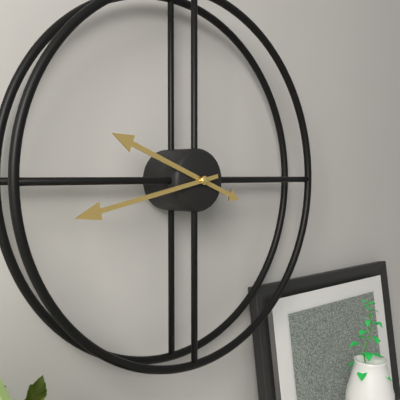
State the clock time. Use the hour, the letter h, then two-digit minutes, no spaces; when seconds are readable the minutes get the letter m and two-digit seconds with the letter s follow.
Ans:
9h43
